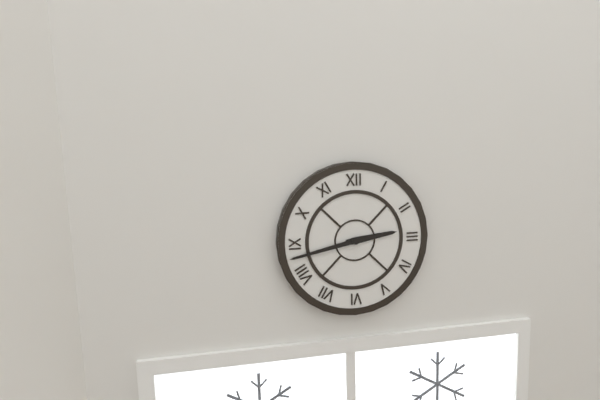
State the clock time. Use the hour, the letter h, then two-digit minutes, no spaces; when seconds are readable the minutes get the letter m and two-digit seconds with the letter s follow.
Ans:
2h43
